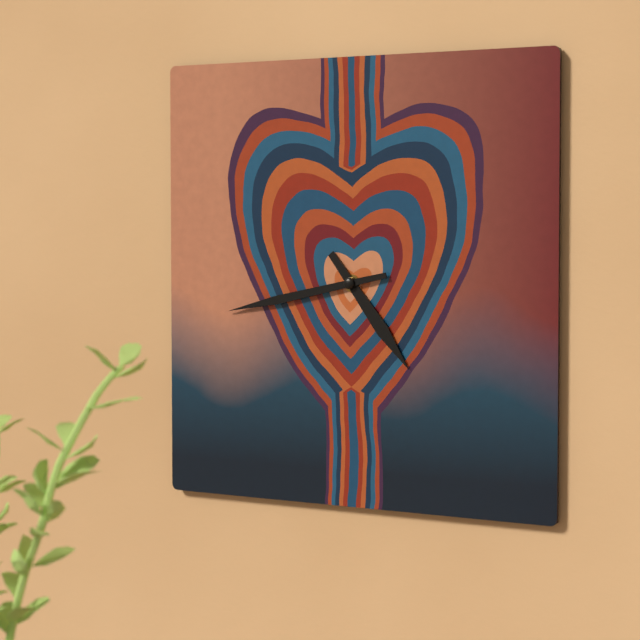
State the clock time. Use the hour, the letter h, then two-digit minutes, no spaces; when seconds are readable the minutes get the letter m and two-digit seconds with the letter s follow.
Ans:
4h43
